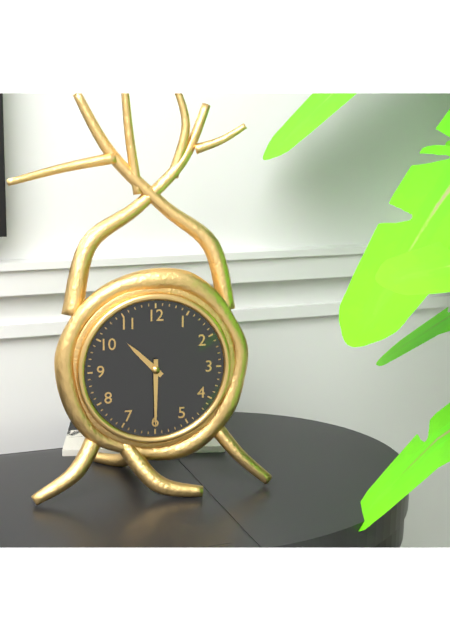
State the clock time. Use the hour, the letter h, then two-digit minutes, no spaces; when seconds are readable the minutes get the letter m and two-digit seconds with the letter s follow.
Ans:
10h30
